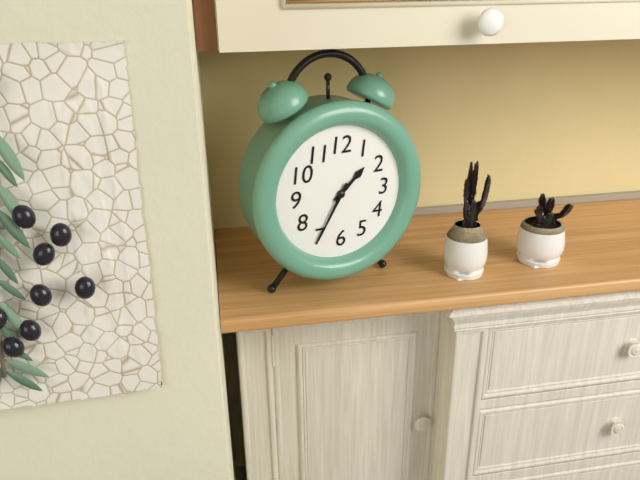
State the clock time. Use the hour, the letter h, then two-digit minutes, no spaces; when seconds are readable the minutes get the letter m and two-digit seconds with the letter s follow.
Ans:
1h35
